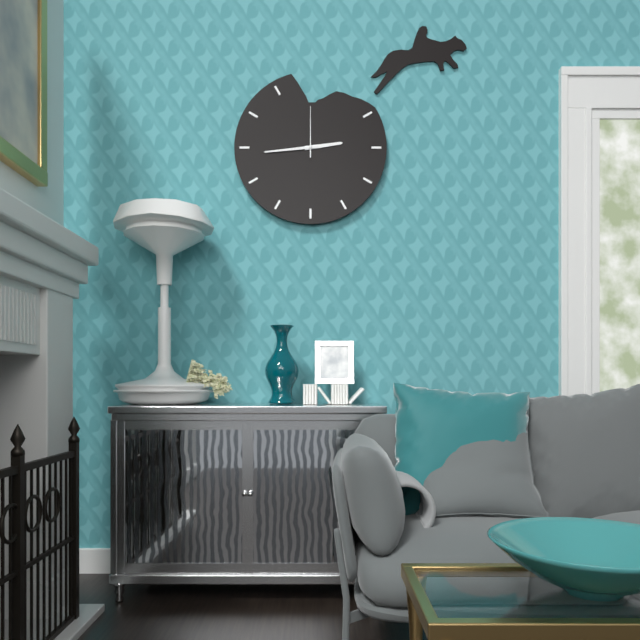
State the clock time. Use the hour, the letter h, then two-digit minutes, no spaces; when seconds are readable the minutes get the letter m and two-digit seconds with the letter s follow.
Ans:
2h44m00s
